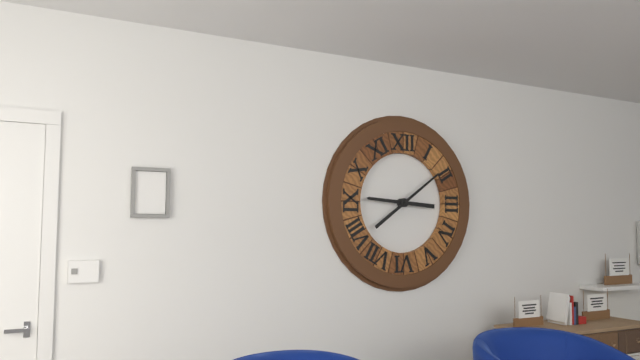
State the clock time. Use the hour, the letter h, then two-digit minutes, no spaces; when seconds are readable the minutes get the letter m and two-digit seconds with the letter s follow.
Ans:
9h09
